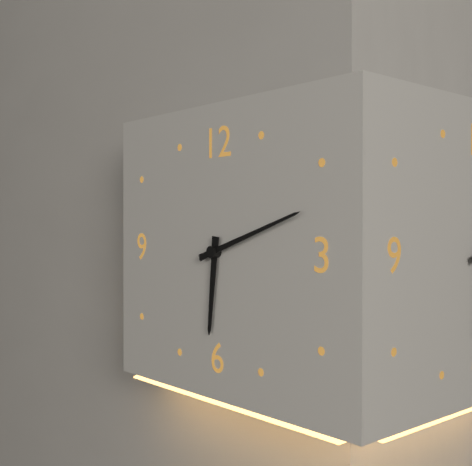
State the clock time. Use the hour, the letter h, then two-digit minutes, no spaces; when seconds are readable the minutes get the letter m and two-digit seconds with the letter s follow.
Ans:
6h12
